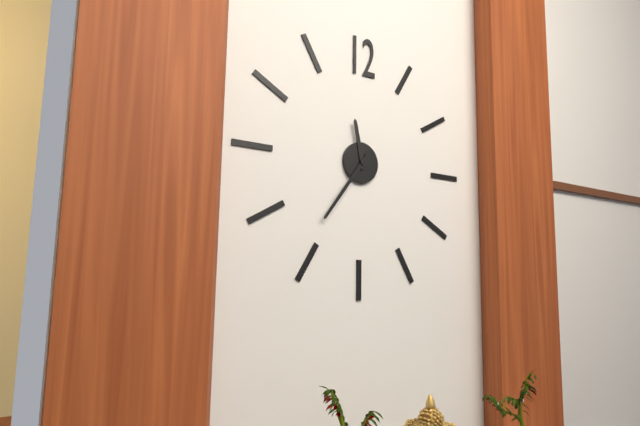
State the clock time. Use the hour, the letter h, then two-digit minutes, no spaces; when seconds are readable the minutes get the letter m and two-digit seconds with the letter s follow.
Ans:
11h36
